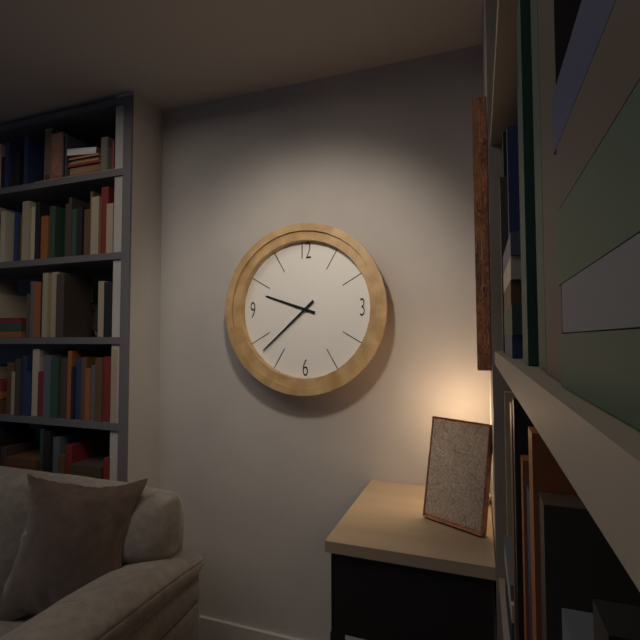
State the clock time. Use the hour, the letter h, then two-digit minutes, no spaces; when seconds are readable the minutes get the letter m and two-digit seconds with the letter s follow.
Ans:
9h38
